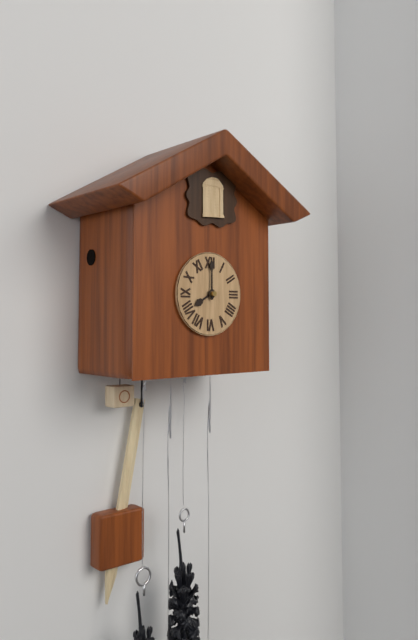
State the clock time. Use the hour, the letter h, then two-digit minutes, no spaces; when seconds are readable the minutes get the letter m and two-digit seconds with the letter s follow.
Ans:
8h00
